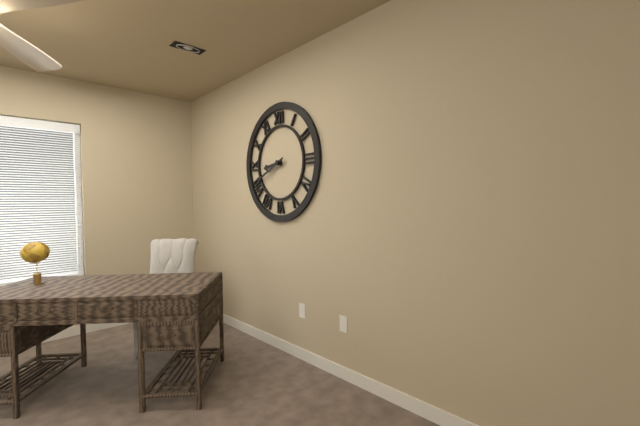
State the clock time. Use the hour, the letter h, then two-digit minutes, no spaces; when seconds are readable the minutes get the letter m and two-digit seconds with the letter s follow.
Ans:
8h41
